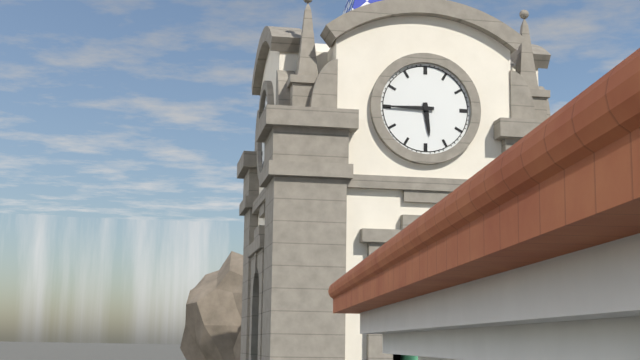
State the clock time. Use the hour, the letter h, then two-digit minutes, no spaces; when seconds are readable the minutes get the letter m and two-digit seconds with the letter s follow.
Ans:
5h45
